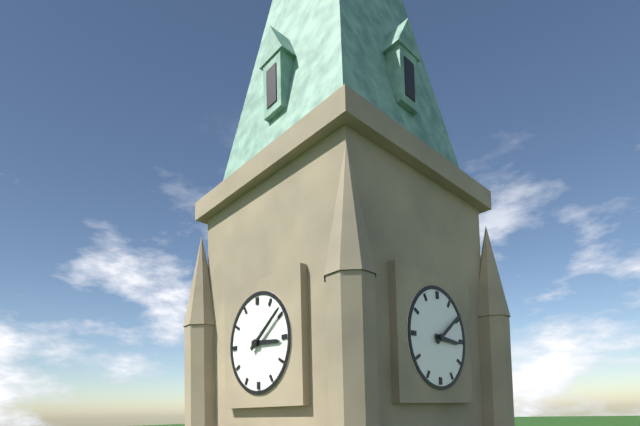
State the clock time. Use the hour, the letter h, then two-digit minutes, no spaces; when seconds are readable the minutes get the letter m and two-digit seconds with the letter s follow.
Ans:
3h09
